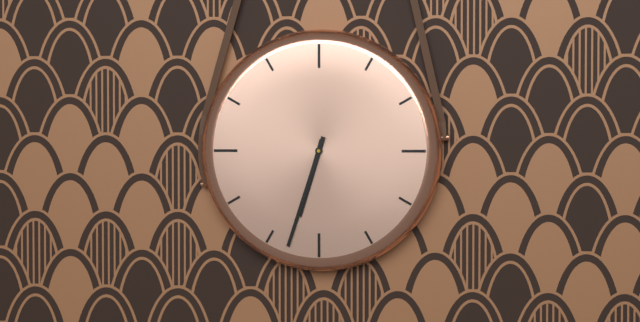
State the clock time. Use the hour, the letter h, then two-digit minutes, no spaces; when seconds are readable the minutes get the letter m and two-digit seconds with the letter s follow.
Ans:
6h33
